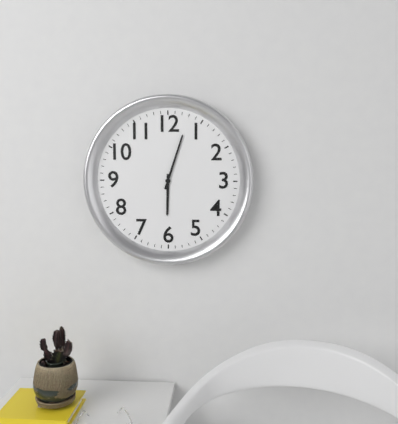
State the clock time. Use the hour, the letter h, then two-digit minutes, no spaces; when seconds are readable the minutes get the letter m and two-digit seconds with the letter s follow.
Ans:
6h03
